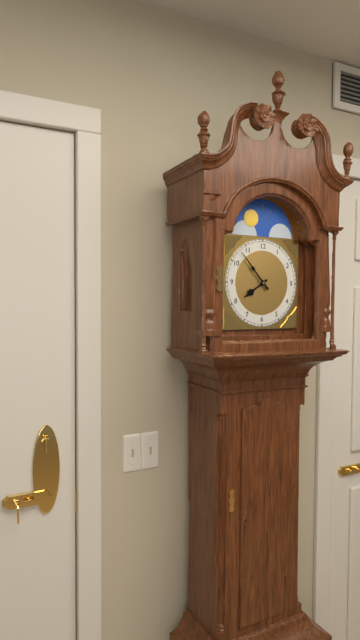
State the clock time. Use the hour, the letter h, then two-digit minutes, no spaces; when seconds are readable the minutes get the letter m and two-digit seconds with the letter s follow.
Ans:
7h53
